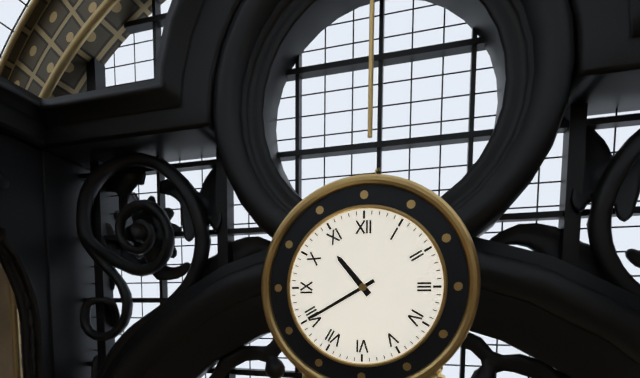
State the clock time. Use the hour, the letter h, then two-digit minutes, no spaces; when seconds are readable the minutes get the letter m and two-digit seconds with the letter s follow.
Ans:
10h40
